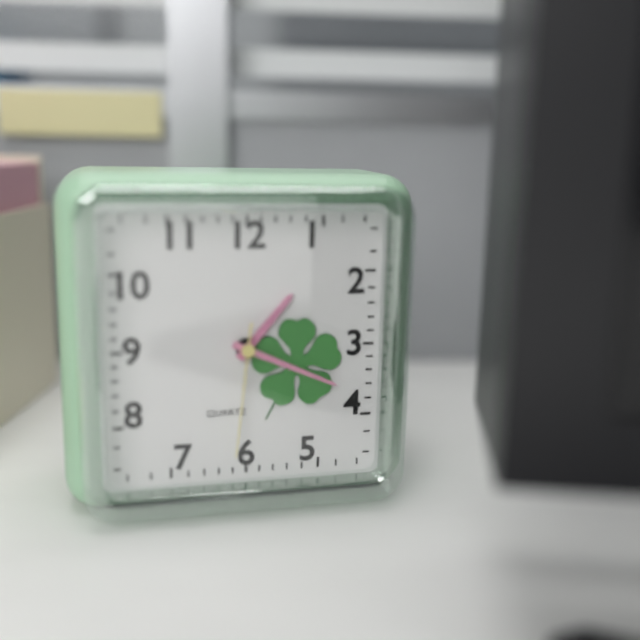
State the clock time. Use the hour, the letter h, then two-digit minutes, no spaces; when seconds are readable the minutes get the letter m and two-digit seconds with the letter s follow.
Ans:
1h19m31s
